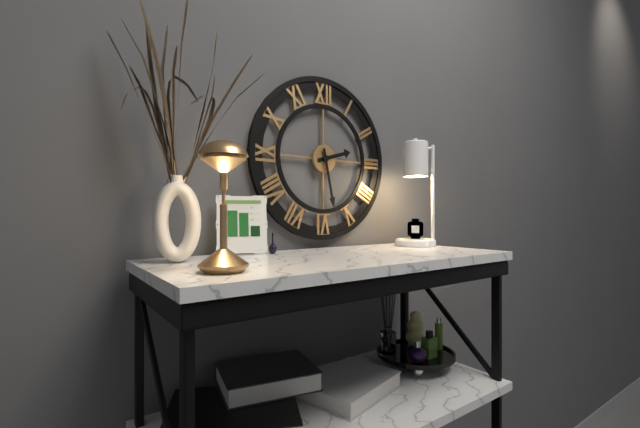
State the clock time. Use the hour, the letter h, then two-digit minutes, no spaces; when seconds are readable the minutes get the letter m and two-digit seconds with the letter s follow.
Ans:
2h28
